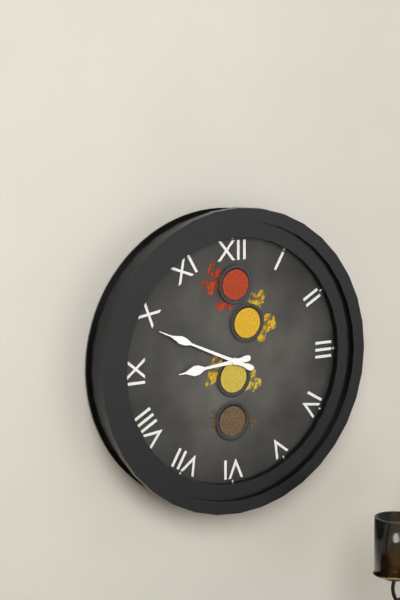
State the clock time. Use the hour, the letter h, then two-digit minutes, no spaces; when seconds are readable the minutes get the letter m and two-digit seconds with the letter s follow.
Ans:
8h49
